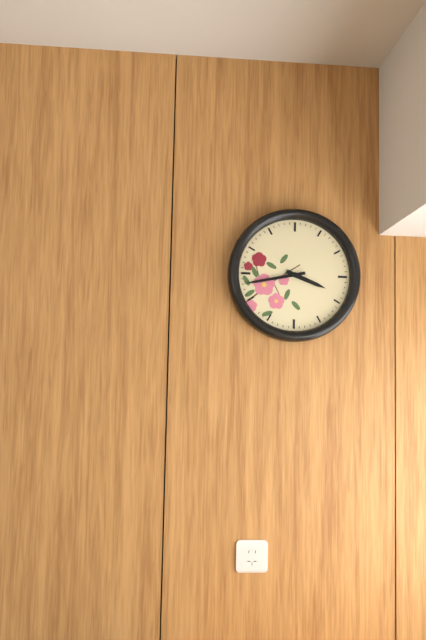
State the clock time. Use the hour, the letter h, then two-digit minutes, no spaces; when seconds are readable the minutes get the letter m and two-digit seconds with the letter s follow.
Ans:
3h43
